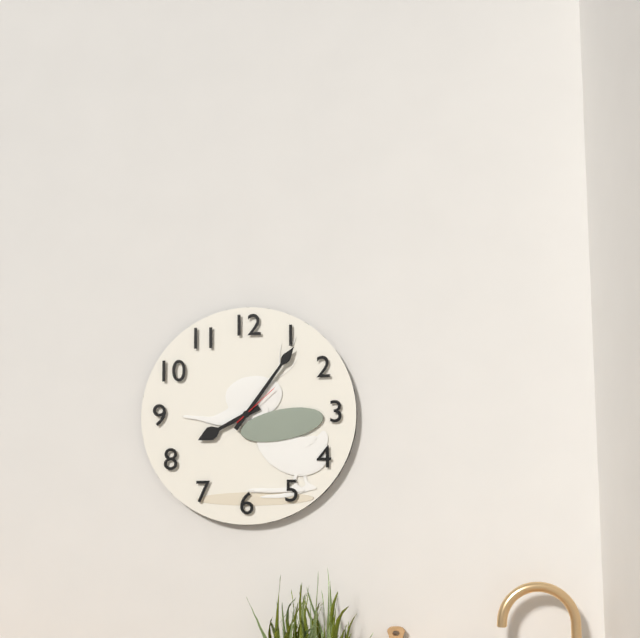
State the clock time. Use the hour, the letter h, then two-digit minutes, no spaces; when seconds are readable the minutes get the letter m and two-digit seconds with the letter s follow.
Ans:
8h06
